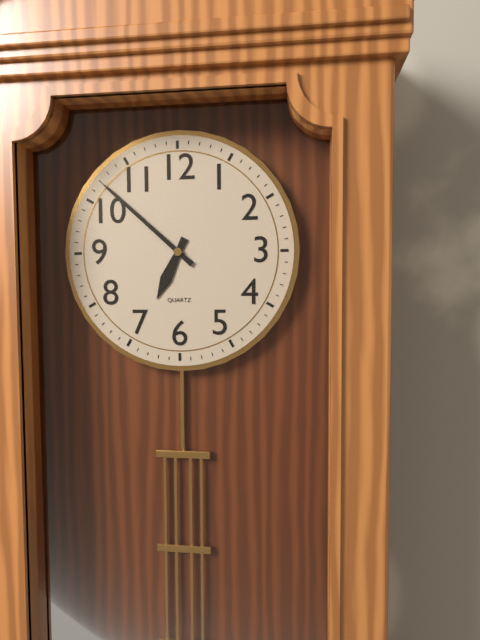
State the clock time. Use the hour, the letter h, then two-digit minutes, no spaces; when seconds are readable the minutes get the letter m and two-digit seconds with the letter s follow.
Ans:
6h52
